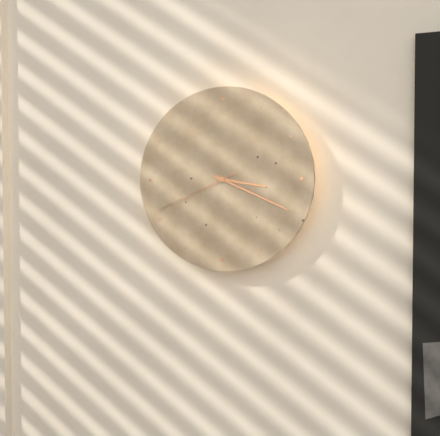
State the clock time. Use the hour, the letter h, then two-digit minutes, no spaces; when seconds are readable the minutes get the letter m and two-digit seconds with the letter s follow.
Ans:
3h19m41s
